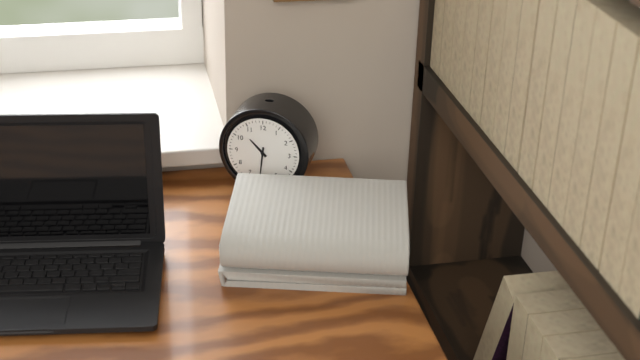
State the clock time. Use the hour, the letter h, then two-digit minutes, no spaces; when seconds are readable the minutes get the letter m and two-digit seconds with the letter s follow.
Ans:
10h31
